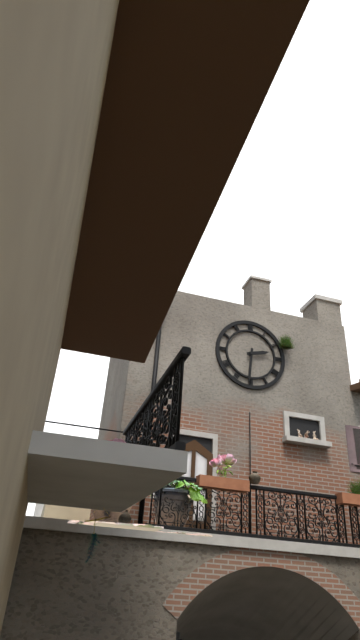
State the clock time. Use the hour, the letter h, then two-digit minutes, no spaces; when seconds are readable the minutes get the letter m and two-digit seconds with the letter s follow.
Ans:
2h31
